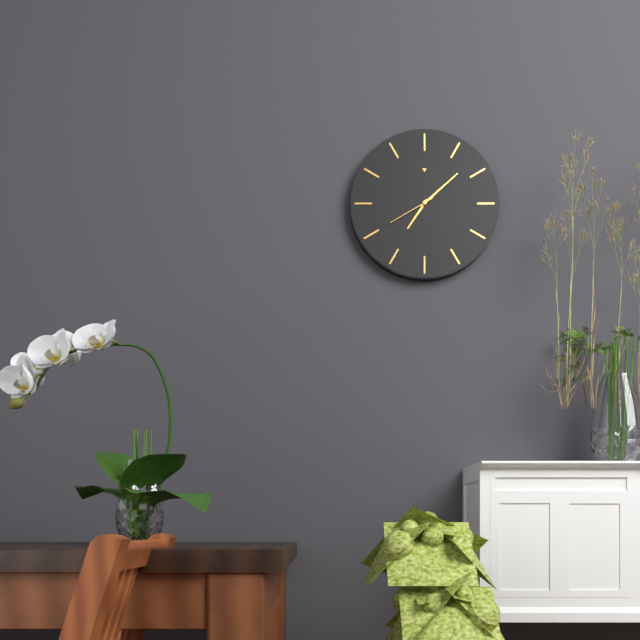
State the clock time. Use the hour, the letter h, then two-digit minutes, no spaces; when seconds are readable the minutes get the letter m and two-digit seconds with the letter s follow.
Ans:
7h08m40s
